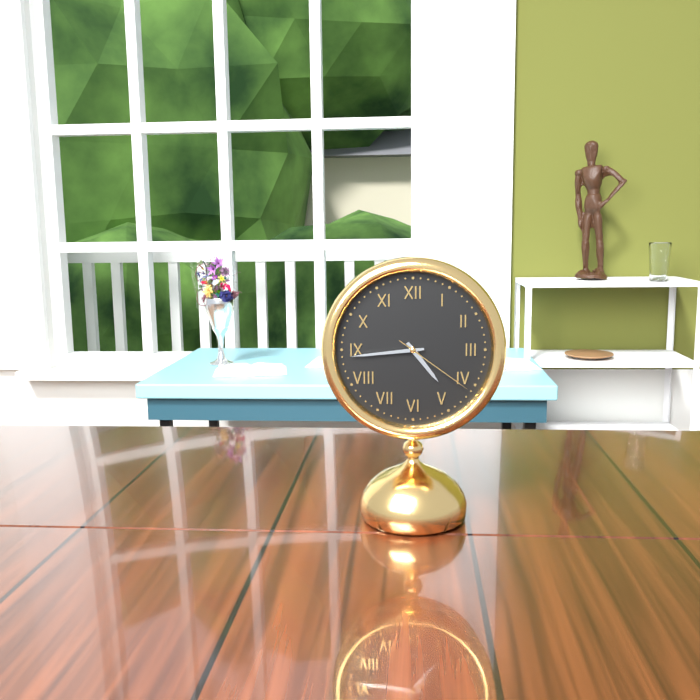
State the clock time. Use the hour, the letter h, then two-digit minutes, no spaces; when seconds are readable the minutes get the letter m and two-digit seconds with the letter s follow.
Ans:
4h44m21s
